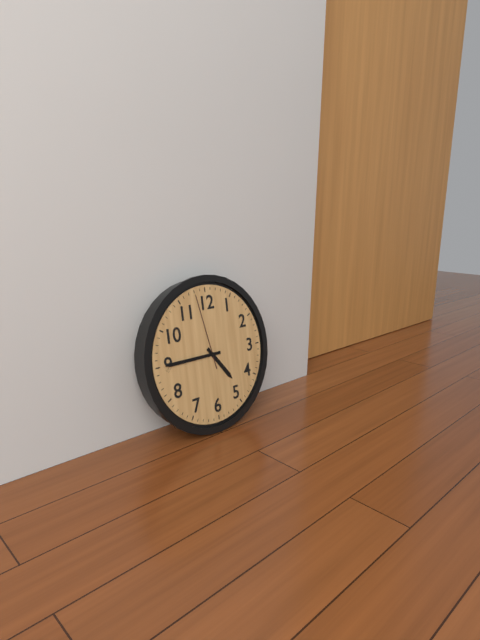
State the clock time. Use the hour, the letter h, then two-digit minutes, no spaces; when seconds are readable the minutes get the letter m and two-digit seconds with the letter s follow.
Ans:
4h45m58s
